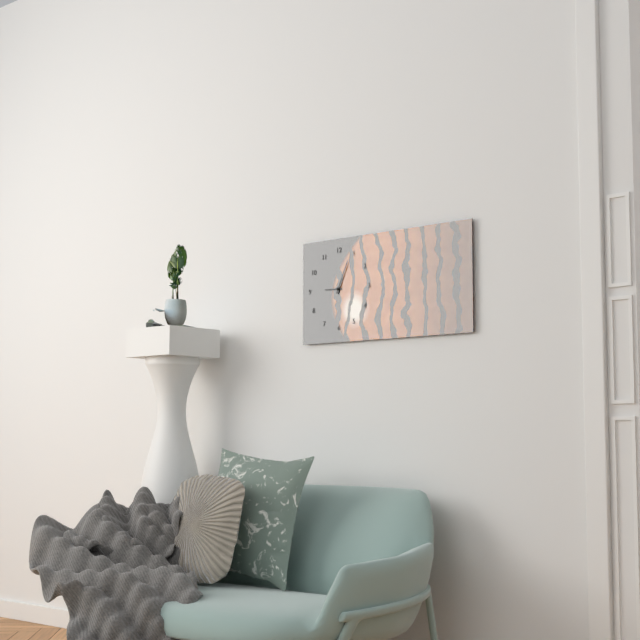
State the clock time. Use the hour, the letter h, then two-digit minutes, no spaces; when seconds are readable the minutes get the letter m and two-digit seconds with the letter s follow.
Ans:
9h04
